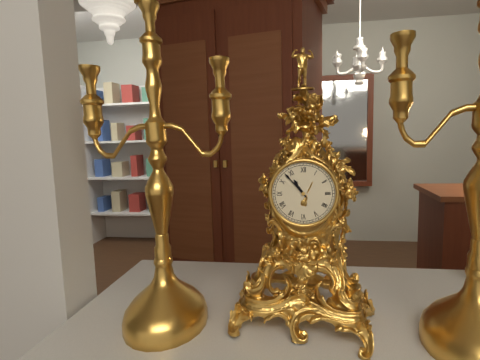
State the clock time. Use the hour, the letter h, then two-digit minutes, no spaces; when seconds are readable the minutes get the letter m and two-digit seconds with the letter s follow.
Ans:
10h53
